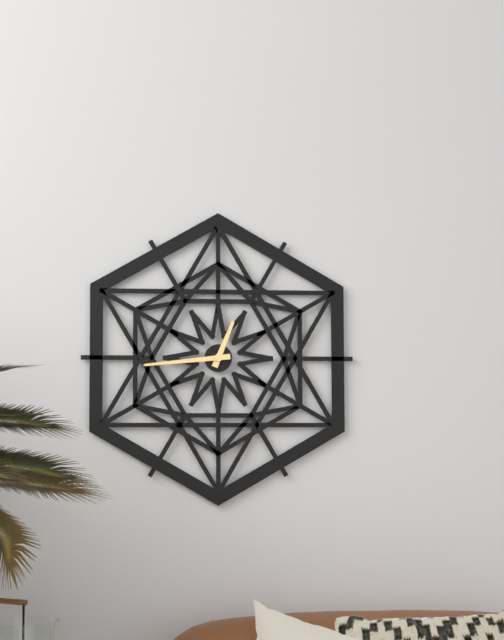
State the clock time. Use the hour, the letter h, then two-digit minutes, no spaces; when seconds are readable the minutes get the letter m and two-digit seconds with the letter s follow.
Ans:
12h44
